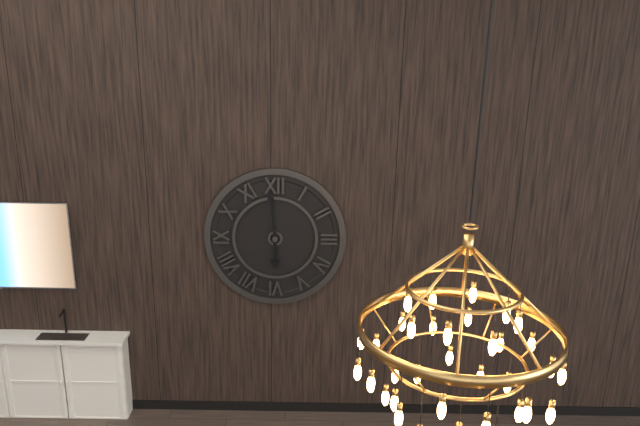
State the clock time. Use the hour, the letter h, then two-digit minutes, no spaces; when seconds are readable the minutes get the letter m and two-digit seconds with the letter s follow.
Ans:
5h59
